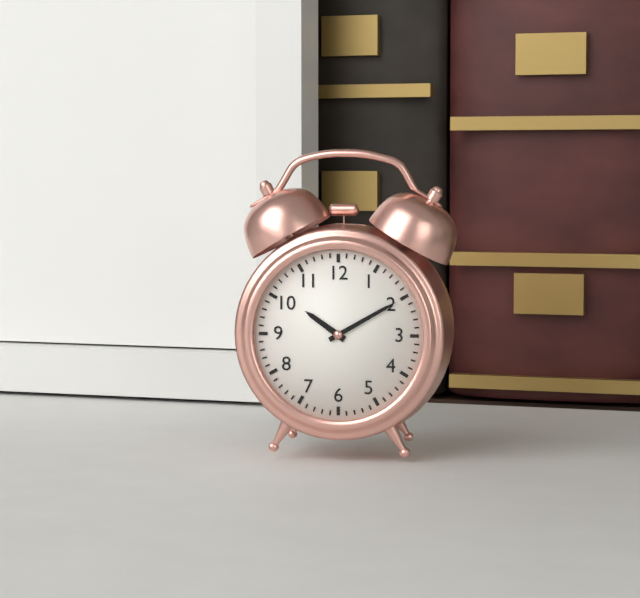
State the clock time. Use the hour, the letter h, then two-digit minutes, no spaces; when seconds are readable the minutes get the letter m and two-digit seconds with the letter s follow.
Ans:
10h10
